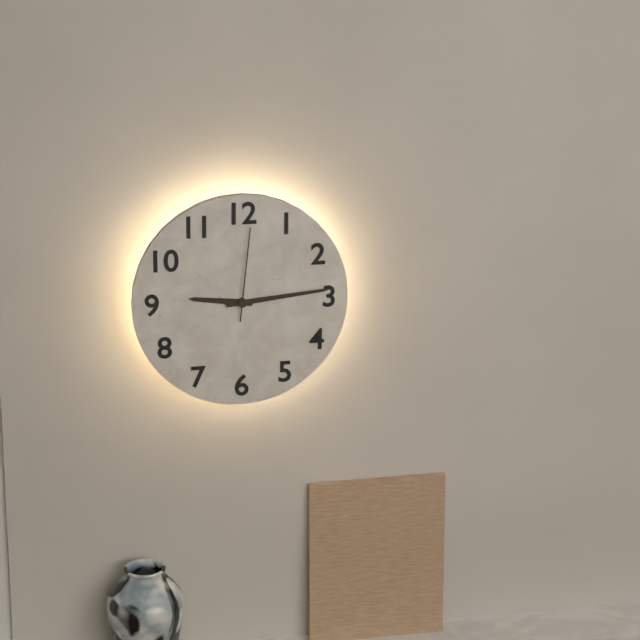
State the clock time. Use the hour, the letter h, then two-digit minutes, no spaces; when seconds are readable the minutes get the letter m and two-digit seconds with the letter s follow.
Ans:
9h14m01s
